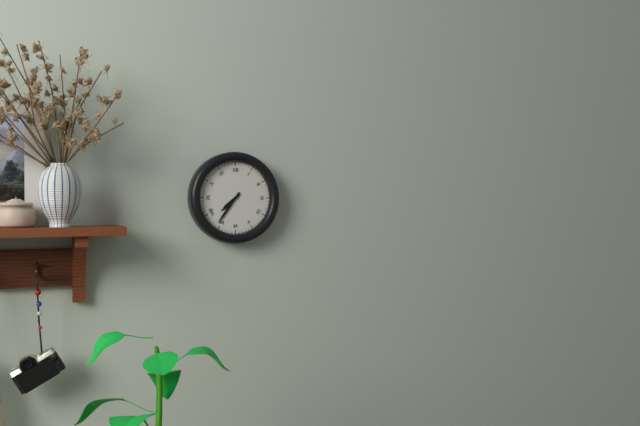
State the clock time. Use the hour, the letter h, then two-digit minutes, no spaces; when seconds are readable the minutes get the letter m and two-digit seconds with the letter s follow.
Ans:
7h36
